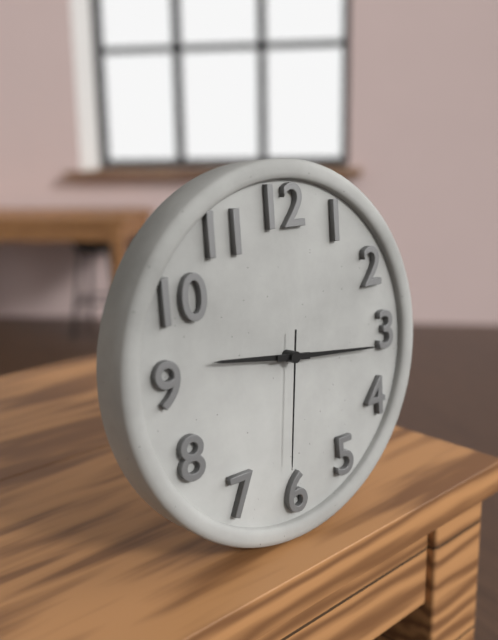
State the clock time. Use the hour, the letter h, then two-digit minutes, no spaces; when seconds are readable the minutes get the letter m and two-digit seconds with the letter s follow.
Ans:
9h16m31s
